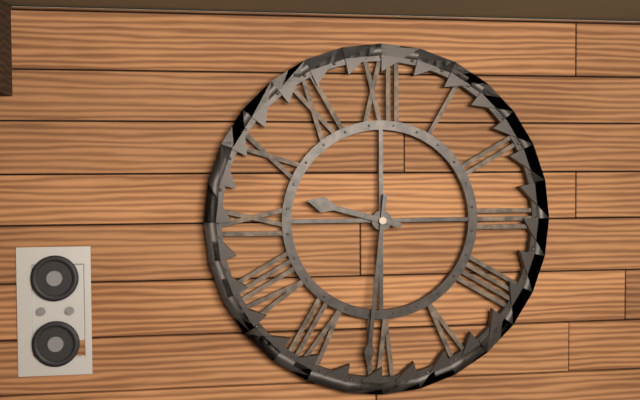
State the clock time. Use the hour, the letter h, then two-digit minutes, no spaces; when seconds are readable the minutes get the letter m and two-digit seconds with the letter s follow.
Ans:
9h31
